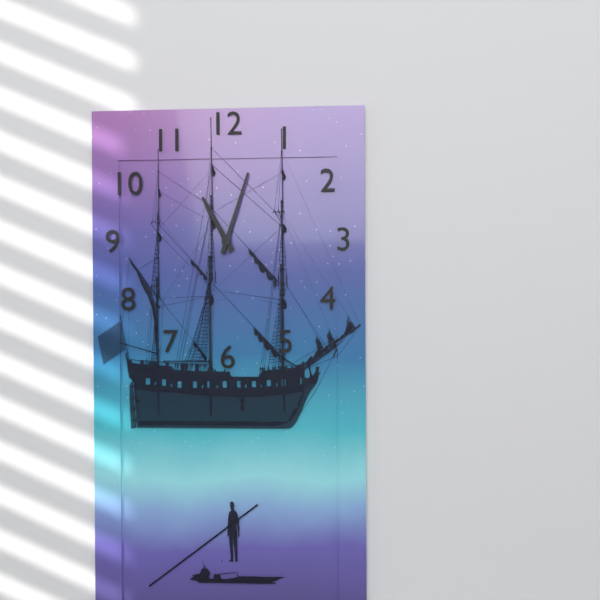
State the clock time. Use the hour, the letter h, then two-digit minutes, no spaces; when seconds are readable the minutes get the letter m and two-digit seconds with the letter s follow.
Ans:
11h03
